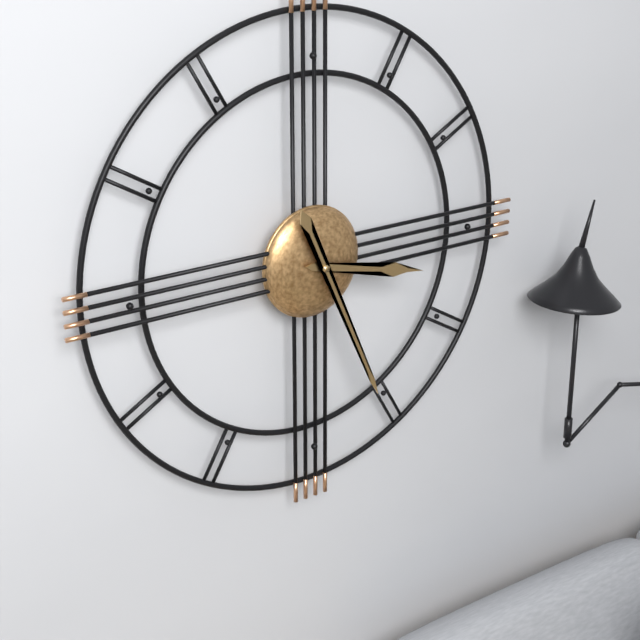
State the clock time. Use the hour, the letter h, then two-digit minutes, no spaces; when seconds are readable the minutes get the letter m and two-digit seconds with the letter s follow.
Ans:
3h26
